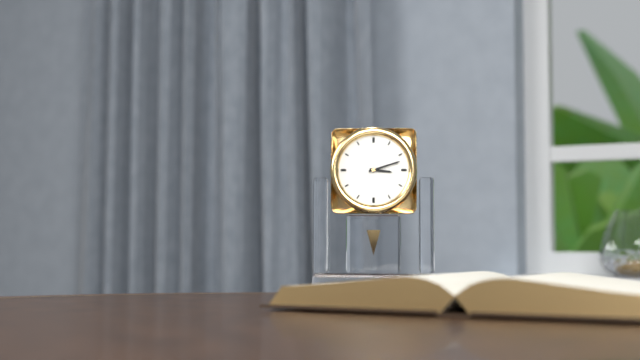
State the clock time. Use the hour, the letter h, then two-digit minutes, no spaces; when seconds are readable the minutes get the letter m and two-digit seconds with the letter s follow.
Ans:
3h12
